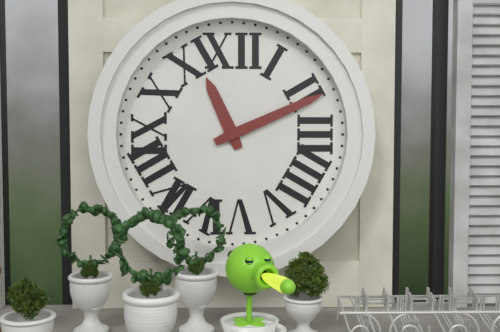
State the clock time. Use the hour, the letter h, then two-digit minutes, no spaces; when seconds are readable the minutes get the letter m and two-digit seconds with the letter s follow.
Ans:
11h11
